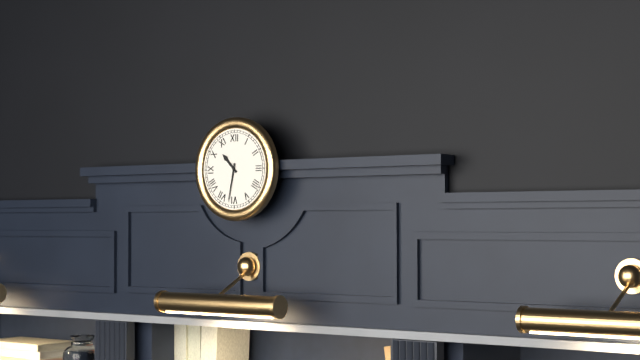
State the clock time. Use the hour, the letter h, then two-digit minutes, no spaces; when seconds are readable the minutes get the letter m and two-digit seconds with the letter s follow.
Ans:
10h32
